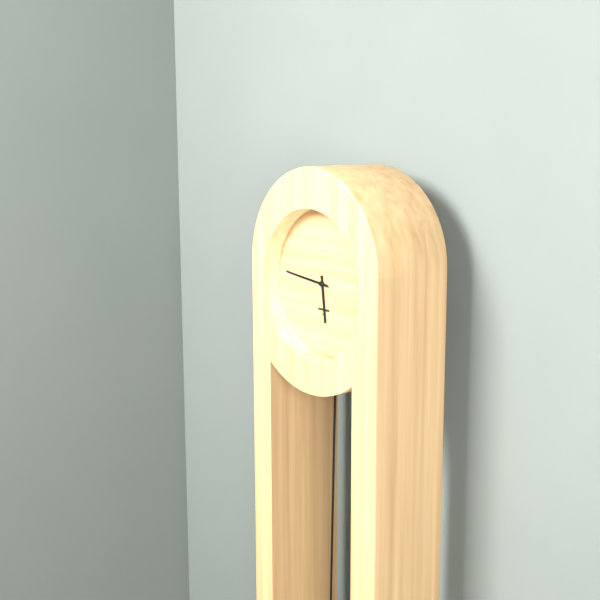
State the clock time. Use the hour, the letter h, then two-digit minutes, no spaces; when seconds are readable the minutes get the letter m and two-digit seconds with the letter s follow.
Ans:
5h46
